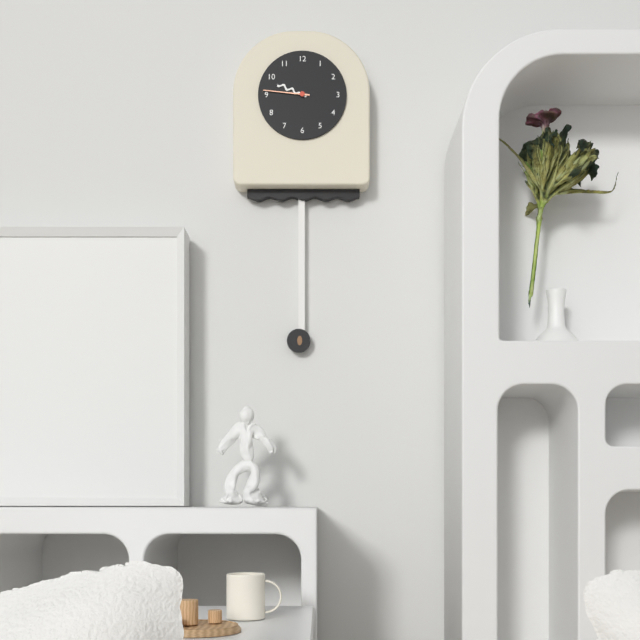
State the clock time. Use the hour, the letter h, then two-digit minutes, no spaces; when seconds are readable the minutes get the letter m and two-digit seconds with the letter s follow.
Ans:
9h46
